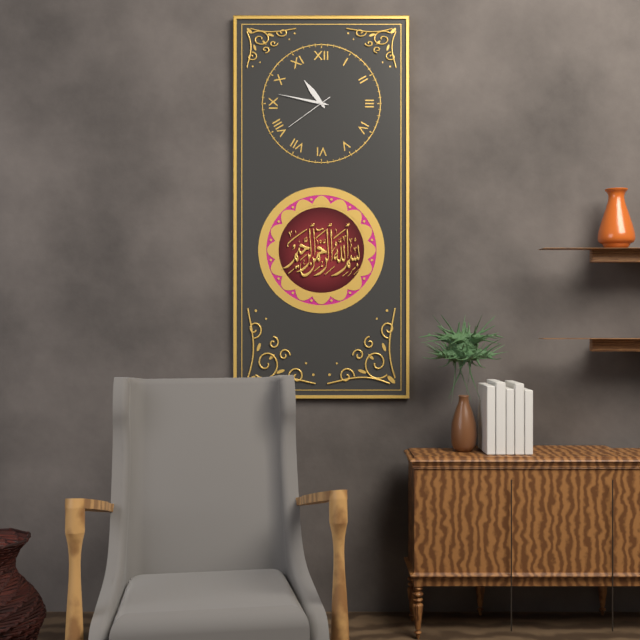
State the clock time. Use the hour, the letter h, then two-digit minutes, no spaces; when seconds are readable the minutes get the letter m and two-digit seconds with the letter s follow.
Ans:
10h47m39s
